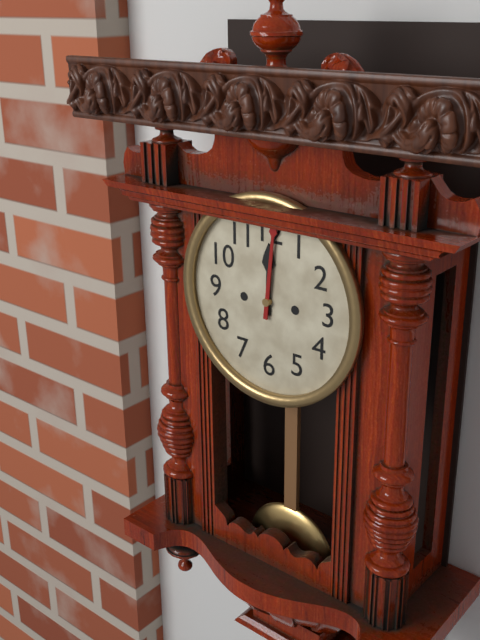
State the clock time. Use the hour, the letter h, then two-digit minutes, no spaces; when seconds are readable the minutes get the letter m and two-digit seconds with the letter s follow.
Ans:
12h01
